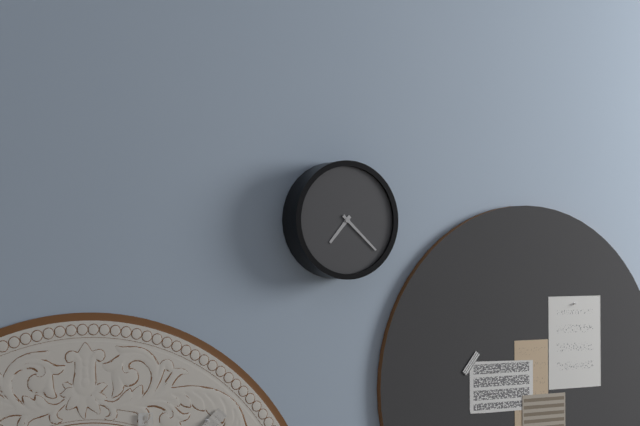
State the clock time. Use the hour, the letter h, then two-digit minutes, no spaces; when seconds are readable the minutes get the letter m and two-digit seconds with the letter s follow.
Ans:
7h22
